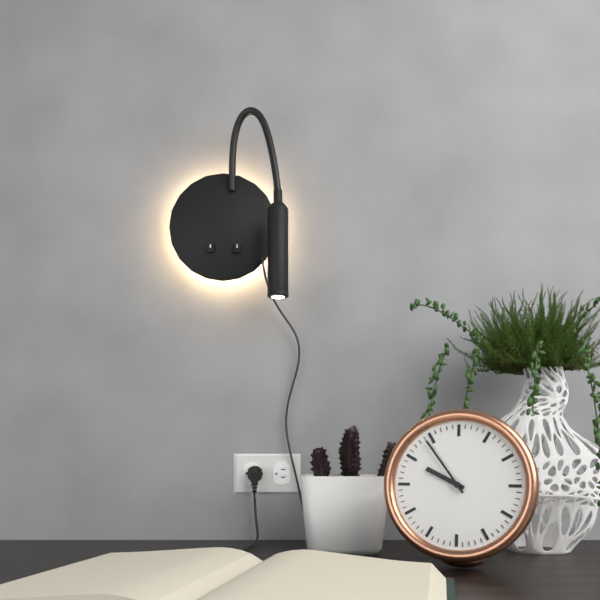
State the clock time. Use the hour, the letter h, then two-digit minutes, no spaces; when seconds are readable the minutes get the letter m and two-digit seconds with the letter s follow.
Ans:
9h54
